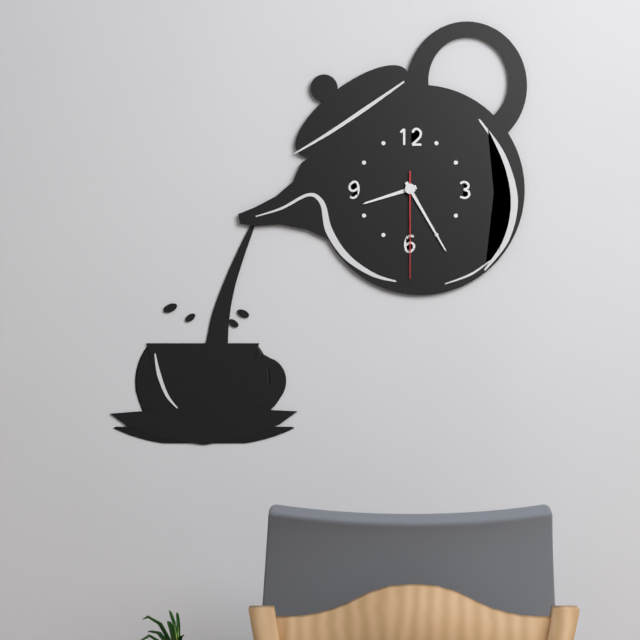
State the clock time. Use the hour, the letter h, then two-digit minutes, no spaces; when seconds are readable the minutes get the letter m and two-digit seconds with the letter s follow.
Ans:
8h25m30s
